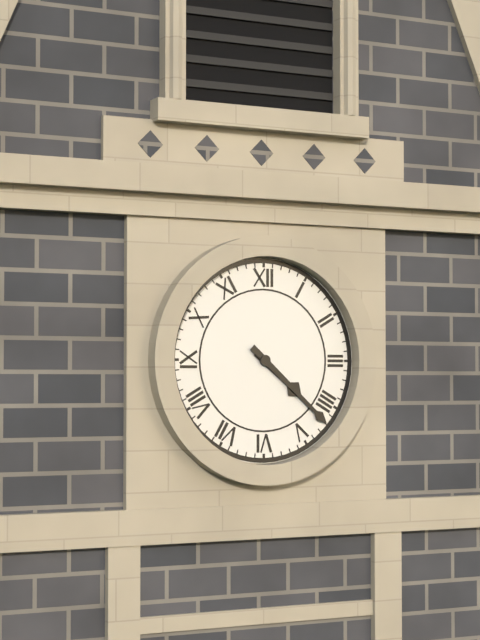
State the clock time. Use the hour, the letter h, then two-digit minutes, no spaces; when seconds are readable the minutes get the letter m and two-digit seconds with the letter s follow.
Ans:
4h22
